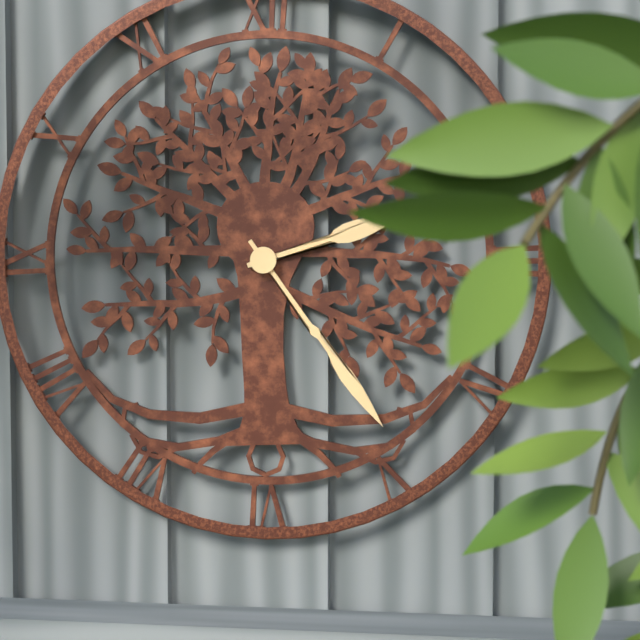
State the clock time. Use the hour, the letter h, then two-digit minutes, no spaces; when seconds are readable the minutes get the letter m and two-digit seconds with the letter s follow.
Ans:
2h24
